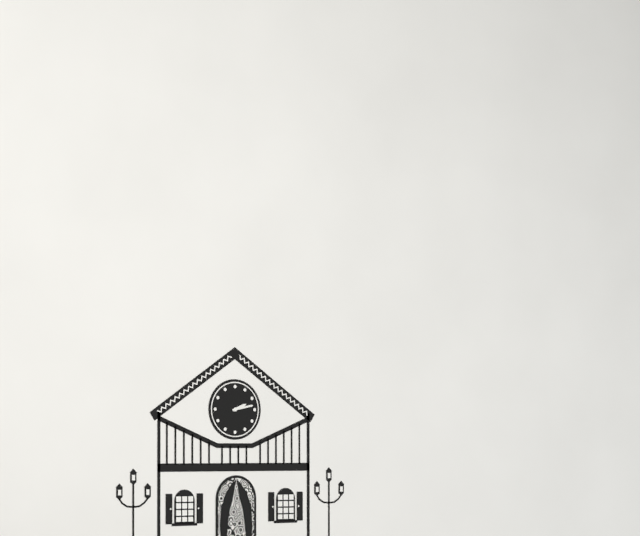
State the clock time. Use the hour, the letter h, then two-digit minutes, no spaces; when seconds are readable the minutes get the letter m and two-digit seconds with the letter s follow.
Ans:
2h13
